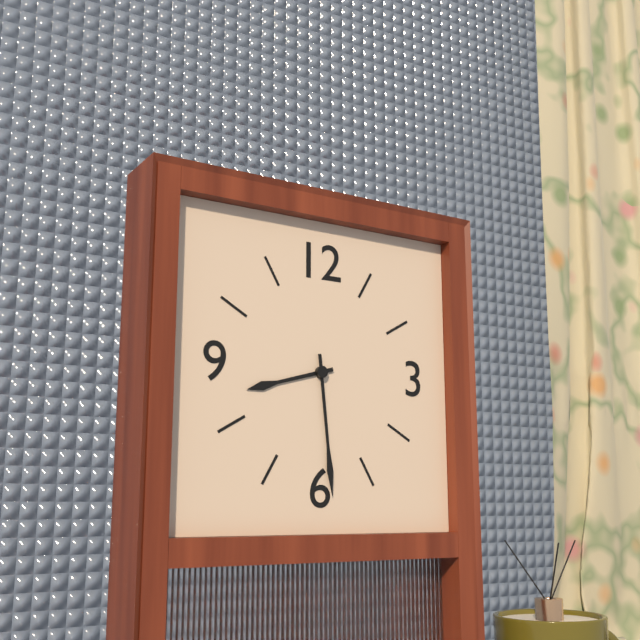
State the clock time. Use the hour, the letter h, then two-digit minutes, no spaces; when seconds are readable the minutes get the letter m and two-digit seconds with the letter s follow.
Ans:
8h29
